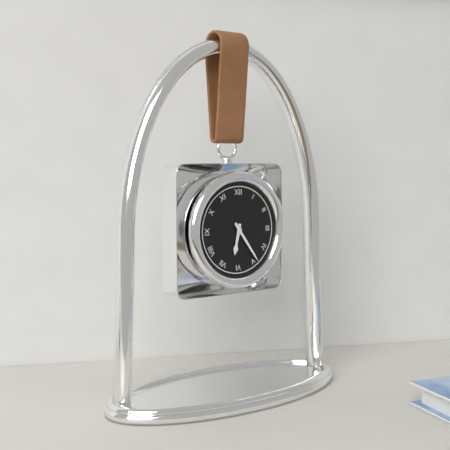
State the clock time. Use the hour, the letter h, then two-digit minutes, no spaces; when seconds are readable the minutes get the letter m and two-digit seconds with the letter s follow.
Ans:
6h24
